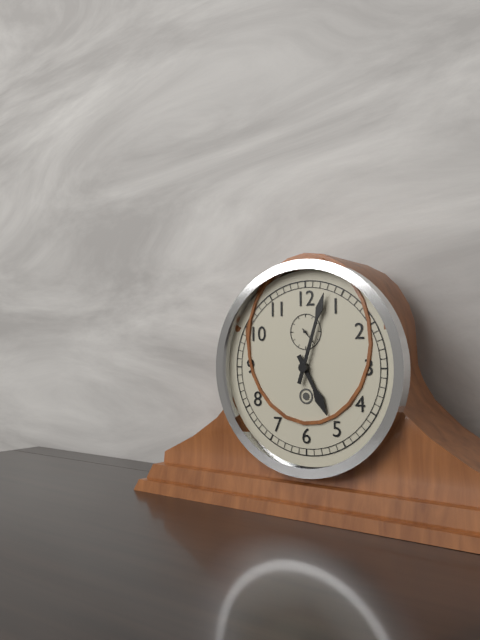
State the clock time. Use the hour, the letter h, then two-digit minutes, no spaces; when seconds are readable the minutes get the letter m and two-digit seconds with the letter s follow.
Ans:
5h03
